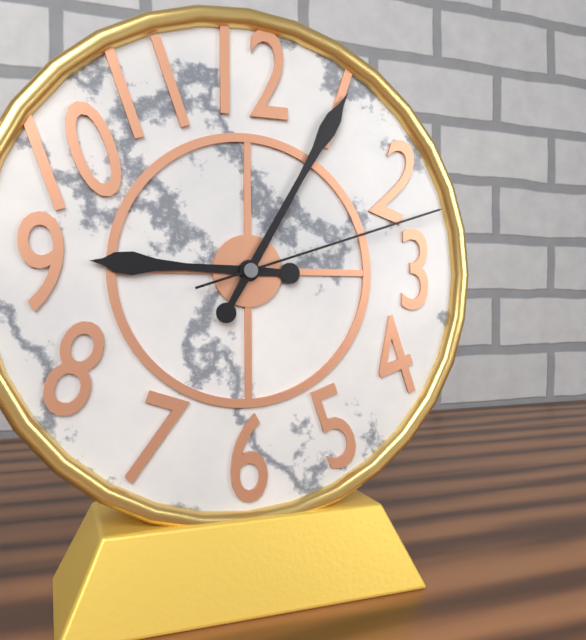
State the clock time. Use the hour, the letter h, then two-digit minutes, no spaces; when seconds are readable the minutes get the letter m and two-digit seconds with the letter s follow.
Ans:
9h05m12s
